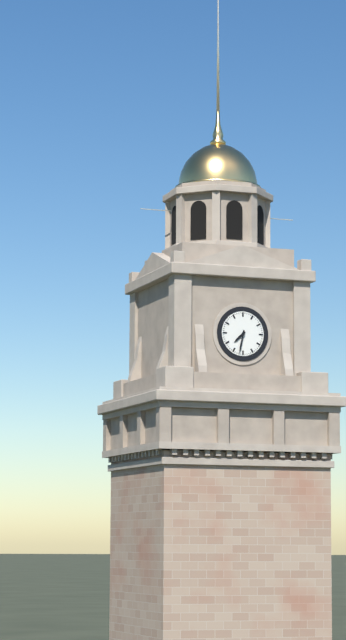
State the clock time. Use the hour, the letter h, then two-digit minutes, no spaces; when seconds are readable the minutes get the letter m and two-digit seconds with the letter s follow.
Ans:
7h32
